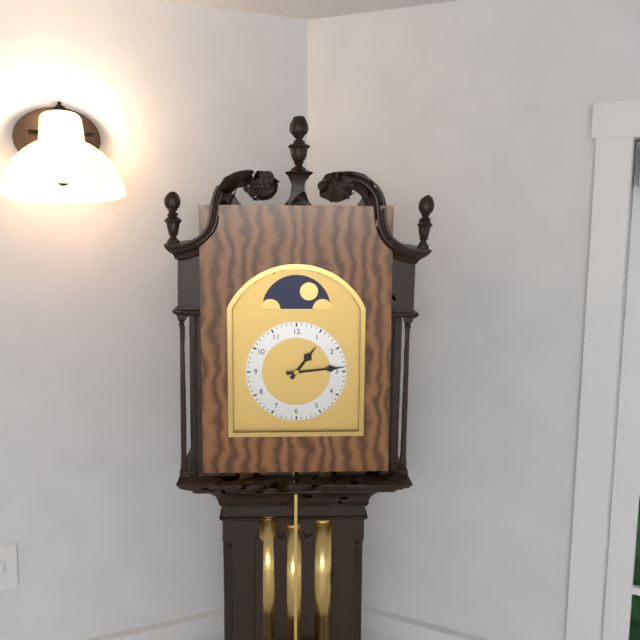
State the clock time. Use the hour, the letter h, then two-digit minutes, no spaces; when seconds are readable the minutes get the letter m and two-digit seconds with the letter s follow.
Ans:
1h14
